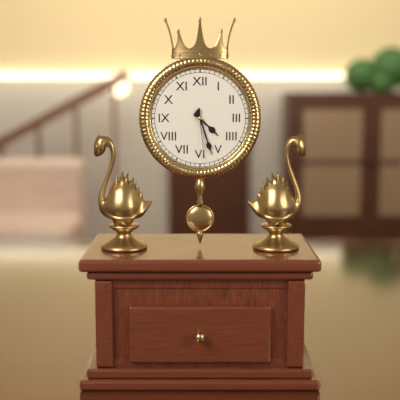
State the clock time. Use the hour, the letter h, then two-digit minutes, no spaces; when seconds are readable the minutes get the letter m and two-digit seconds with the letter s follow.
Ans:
4h27m29s
